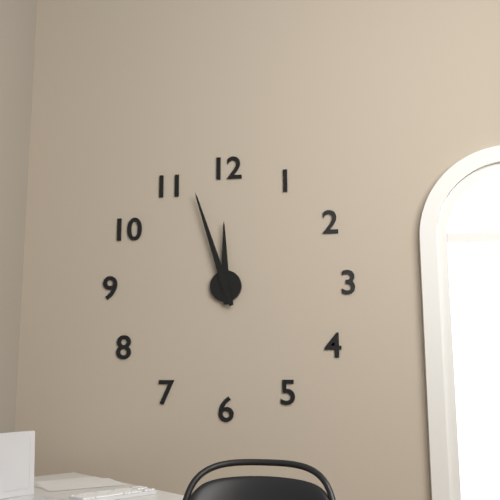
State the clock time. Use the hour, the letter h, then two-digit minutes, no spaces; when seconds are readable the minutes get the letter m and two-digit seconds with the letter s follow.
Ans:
11h57
